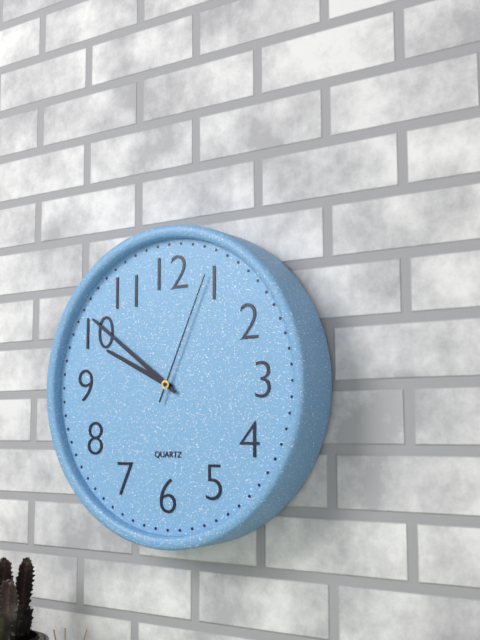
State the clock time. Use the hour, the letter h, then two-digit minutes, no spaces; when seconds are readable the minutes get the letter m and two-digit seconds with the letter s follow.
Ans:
9h51m04s
